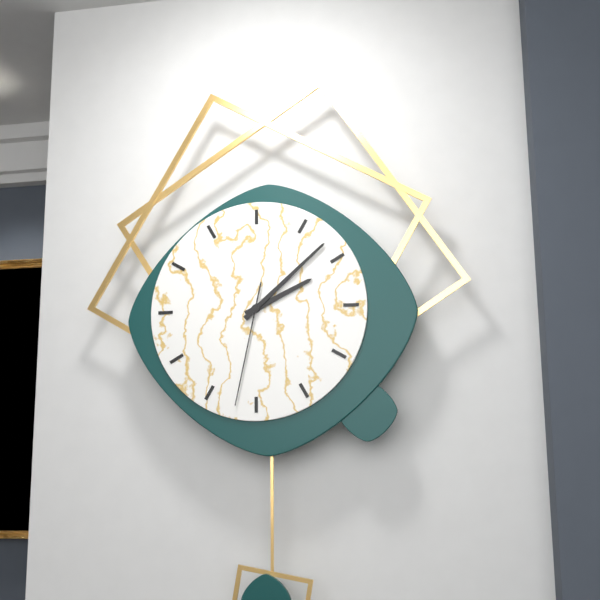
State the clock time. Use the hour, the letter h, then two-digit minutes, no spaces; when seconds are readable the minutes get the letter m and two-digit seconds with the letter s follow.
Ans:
2h08m32s
